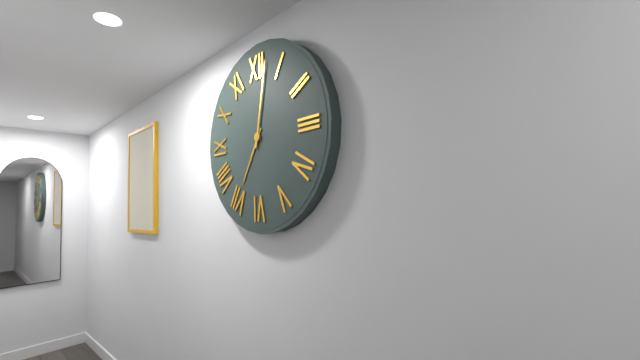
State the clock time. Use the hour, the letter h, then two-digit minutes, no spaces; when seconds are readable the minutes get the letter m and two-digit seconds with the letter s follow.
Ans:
7h02
